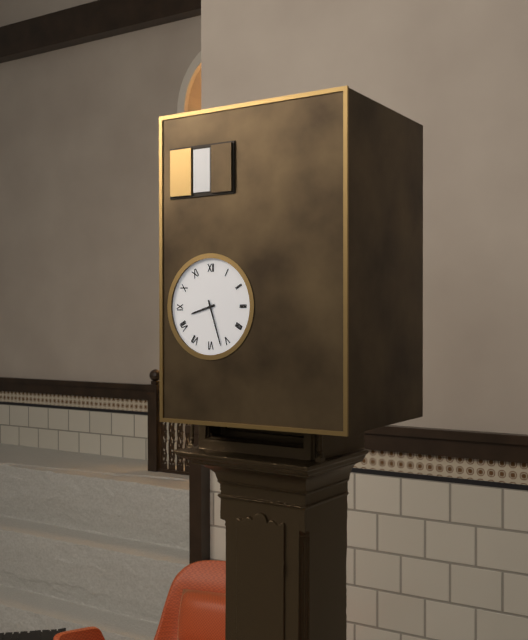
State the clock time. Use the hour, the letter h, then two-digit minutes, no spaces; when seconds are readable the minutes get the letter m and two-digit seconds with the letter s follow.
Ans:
8h27
